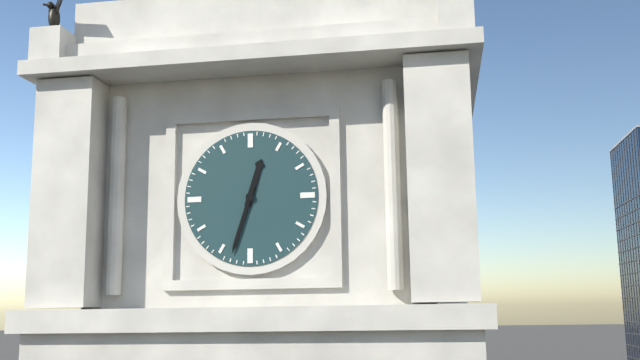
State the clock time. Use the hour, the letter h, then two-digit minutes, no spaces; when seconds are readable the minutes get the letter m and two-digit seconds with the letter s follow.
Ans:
12h33
